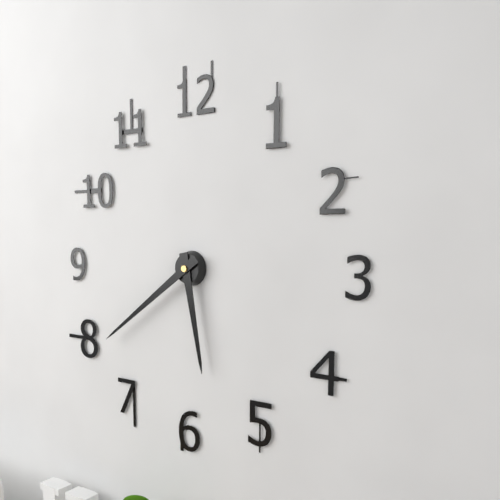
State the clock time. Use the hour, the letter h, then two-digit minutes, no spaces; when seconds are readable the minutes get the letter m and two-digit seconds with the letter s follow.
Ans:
5h39
